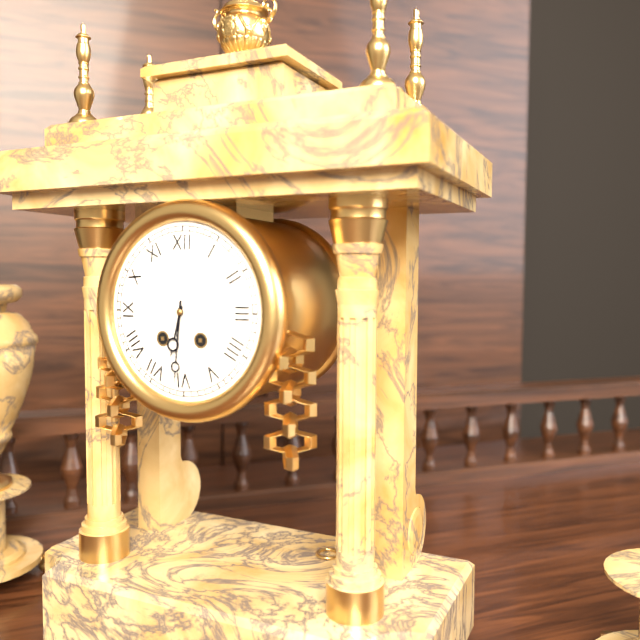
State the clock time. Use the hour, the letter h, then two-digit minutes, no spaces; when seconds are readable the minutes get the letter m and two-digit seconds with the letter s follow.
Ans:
6h31
